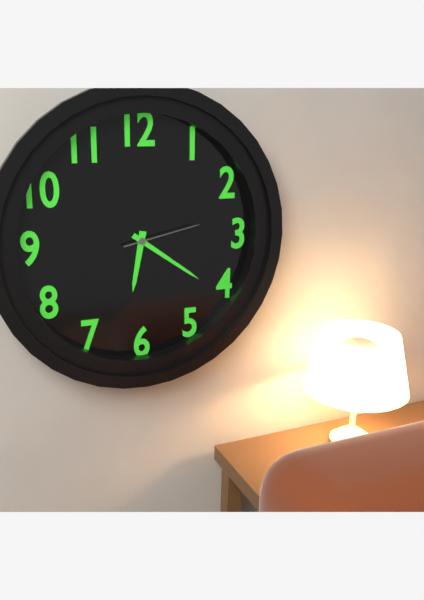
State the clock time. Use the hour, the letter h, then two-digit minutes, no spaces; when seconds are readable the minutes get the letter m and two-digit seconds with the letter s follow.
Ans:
6h21m13s
